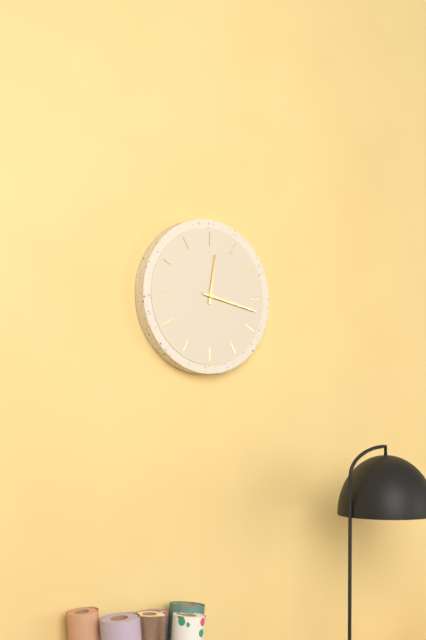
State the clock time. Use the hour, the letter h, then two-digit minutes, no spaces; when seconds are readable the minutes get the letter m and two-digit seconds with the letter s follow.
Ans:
12h17
